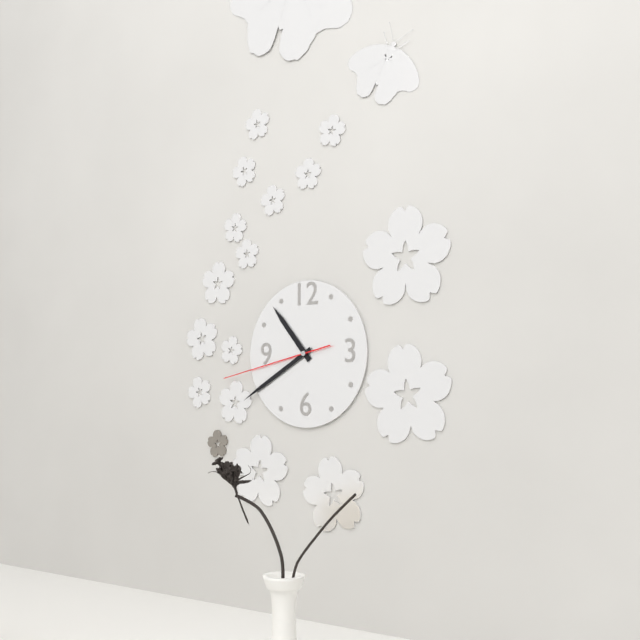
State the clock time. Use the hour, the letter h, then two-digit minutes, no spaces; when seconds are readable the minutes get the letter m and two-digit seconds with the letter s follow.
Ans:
10h40m43s
